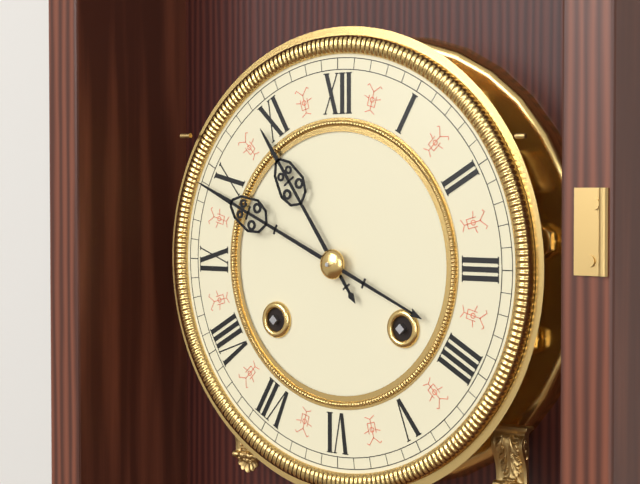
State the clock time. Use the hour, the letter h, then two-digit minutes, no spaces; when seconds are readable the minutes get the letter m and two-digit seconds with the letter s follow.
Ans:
10h49
